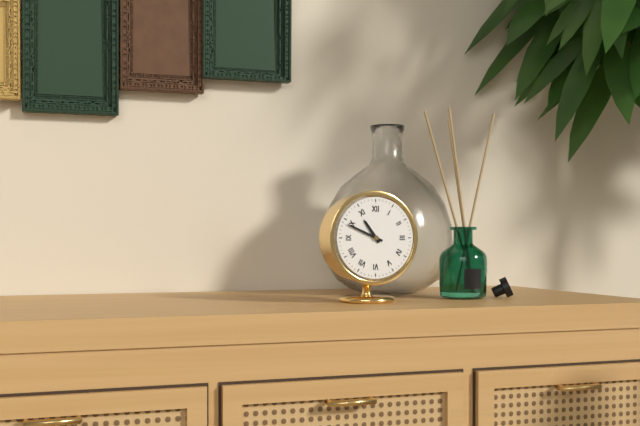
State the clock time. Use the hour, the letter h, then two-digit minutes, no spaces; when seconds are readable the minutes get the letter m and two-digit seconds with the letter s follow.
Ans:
10h49
